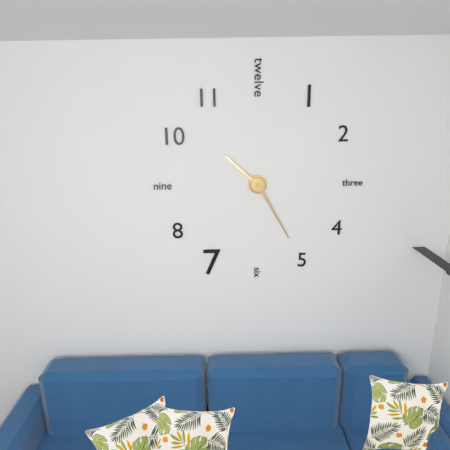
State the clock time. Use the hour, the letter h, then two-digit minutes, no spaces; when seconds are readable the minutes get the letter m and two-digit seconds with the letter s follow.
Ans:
10h25
